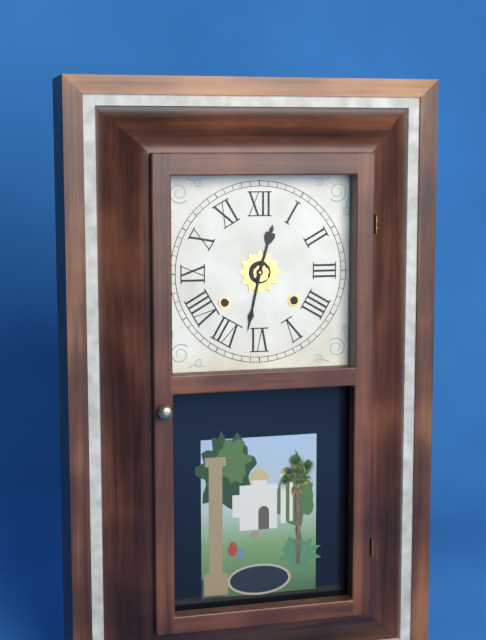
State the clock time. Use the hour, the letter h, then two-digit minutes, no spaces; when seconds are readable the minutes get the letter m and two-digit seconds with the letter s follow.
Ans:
12h32
